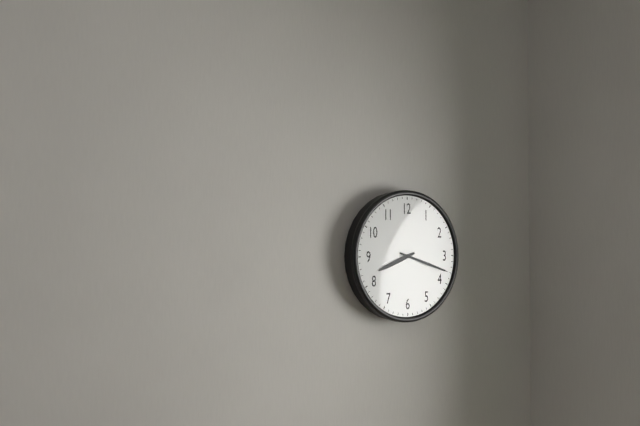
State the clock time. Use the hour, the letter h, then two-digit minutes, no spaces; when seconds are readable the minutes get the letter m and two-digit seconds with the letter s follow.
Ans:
8h18
